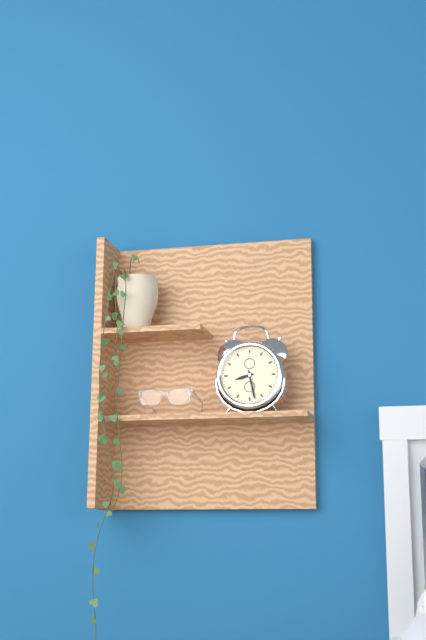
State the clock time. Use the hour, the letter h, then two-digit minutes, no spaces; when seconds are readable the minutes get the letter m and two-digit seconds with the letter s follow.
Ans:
8h28
